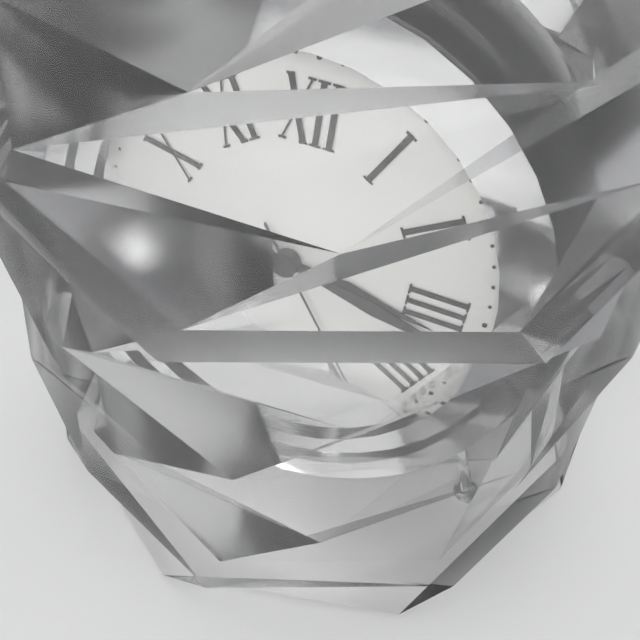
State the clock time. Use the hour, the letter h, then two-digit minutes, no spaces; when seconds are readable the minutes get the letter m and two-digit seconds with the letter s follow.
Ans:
3h17m24s
